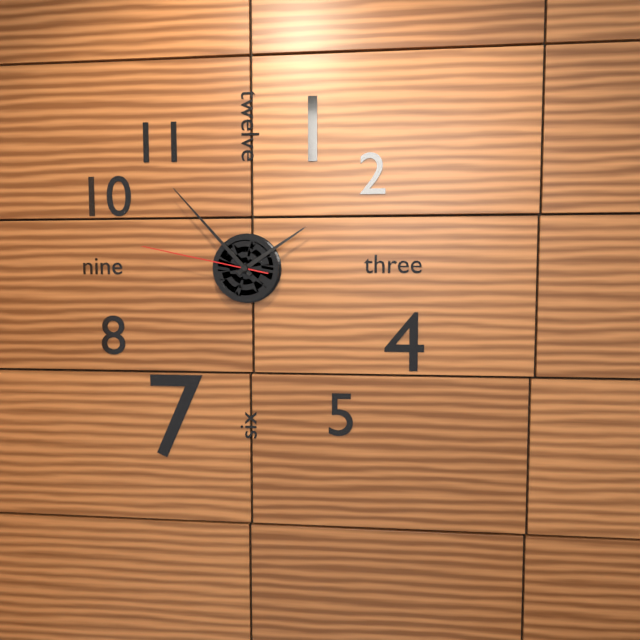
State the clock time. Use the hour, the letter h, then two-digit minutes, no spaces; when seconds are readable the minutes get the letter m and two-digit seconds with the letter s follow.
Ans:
1h53m47s
